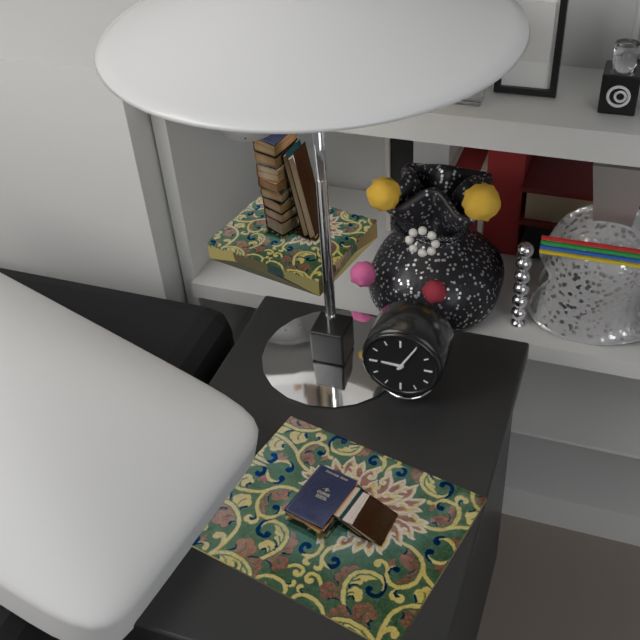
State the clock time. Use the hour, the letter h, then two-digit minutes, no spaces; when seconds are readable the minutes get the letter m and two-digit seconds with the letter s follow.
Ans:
9h05
